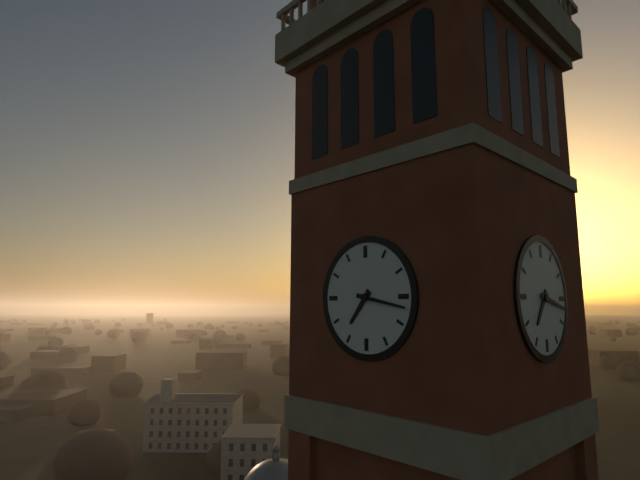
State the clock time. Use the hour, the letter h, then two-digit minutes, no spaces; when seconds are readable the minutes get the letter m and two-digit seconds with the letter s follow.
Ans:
7h17
